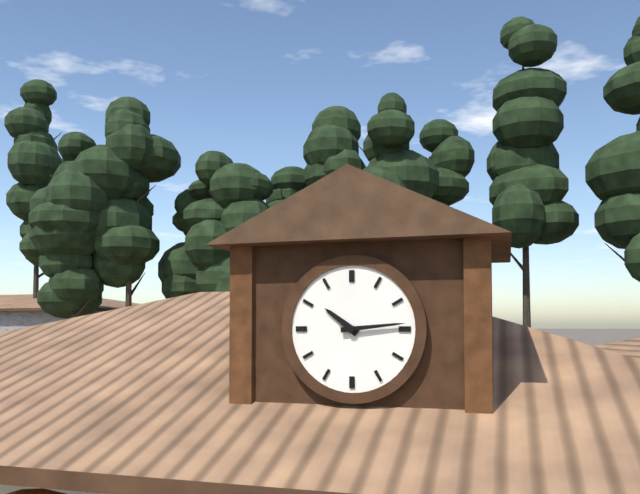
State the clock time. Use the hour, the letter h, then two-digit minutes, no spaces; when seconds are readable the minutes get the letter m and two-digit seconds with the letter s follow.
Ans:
10h14
